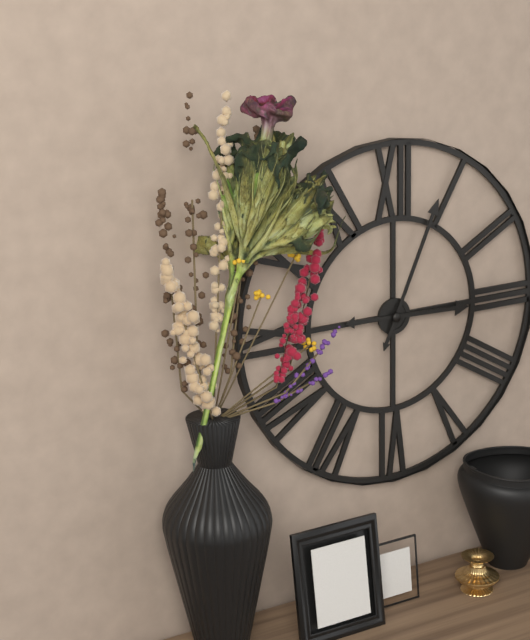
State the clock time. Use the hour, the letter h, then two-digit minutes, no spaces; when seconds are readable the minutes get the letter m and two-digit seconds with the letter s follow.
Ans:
3h04
